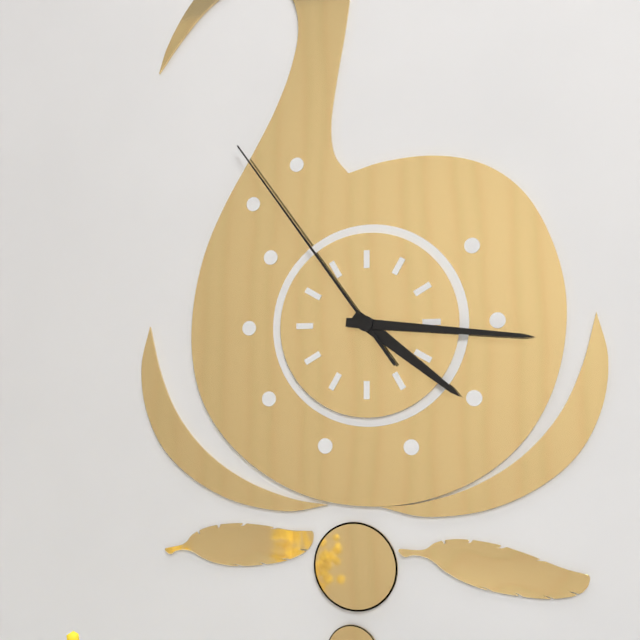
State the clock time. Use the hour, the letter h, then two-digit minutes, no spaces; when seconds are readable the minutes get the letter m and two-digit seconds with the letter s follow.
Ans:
4h16m54s
